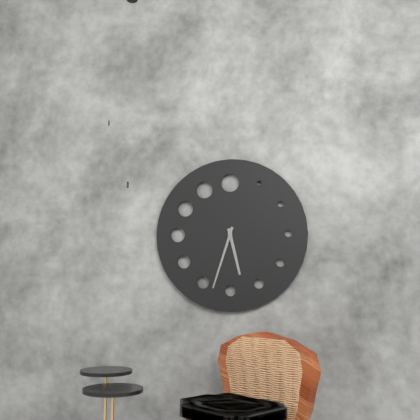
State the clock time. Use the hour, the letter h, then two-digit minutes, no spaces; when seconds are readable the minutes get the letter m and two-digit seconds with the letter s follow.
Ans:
5h33
